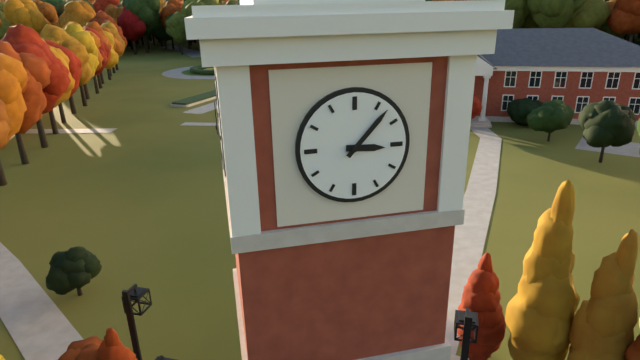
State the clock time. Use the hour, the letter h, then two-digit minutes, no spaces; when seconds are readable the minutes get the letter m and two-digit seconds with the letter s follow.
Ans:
3h07
